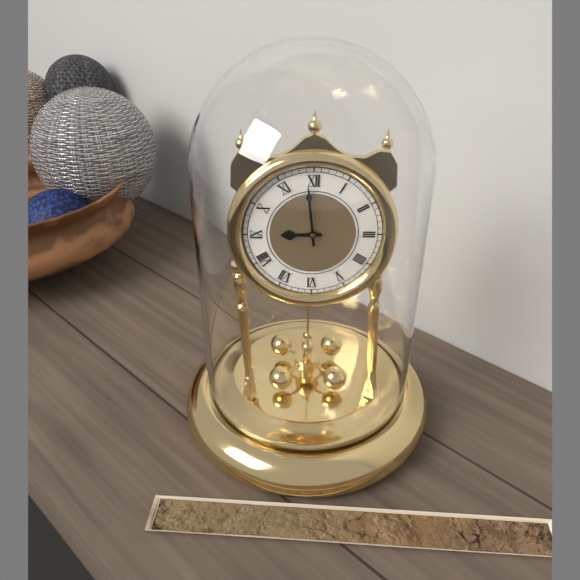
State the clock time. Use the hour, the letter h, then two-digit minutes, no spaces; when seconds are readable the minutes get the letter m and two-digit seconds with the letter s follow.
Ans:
8h59
